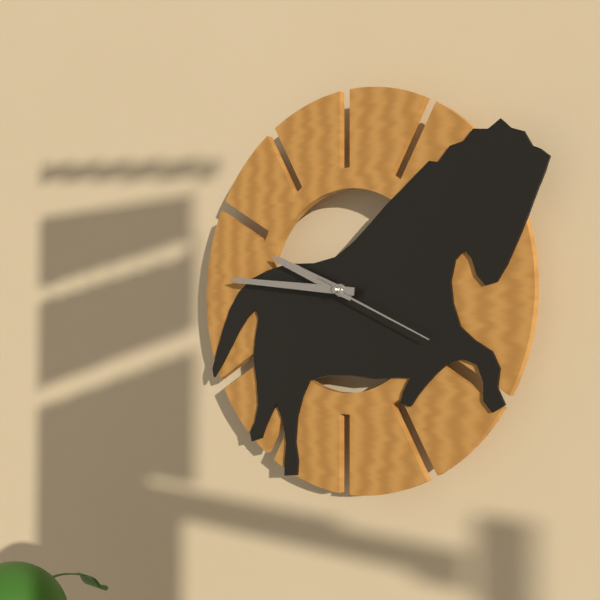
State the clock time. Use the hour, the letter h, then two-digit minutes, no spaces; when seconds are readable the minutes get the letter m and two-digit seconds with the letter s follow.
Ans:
9h46m19s
